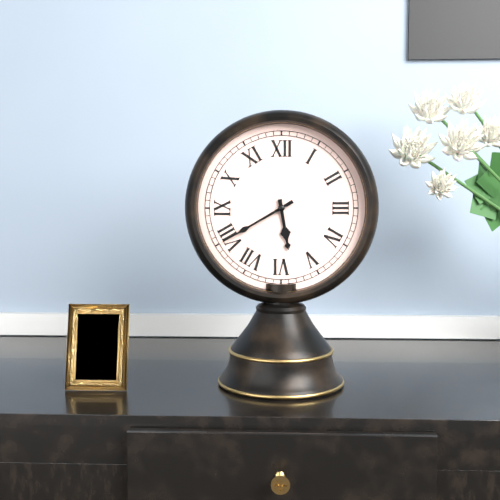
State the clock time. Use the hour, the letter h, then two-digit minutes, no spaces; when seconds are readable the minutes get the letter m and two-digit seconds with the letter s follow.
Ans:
5h40
